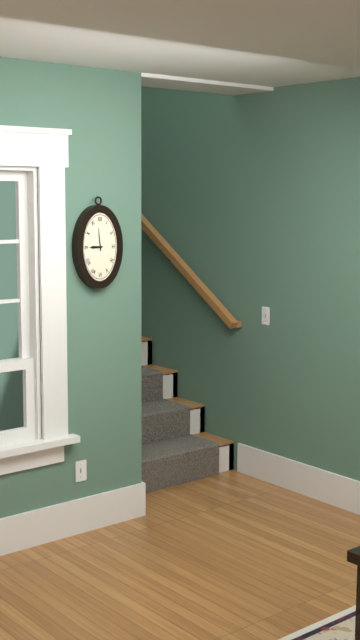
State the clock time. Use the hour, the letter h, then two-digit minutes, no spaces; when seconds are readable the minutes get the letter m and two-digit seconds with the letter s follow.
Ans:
8h59
